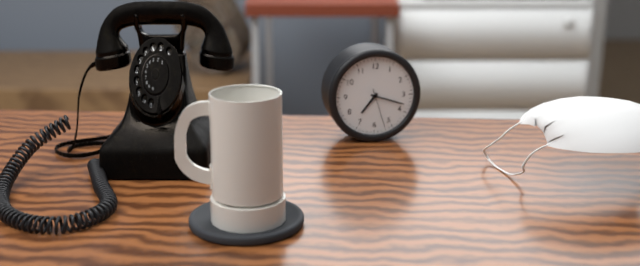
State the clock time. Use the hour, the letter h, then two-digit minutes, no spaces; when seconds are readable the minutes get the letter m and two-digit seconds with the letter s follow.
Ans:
7h18
